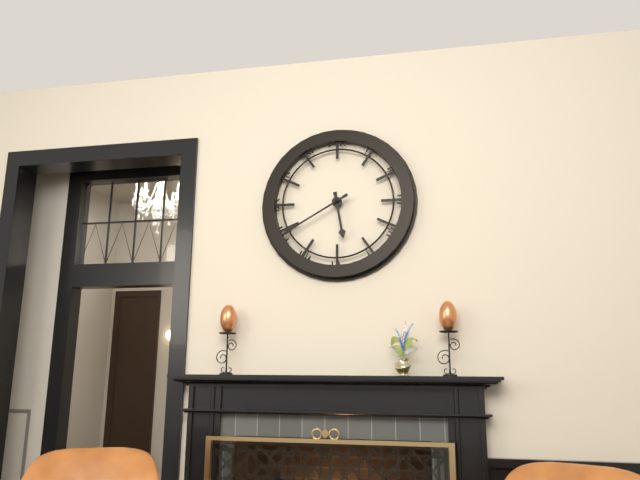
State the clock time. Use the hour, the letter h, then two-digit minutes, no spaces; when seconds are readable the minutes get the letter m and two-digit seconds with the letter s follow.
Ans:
5h40
